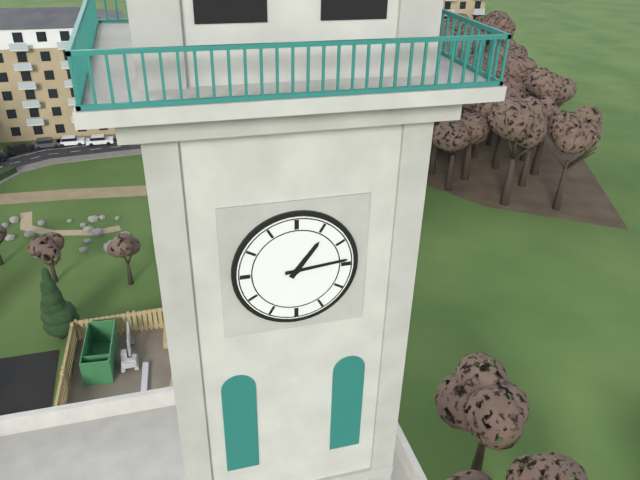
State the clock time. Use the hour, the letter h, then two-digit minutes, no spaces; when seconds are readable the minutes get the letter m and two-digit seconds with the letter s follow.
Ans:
1h14
